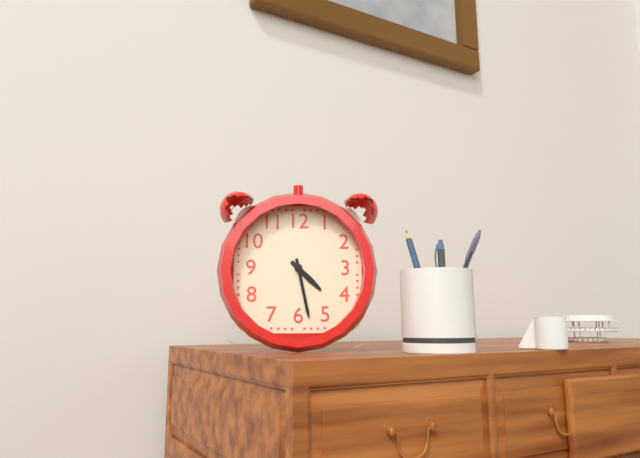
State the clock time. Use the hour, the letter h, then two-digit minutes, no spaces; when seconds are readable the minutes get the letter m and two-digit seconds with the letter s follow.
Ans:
4h28
